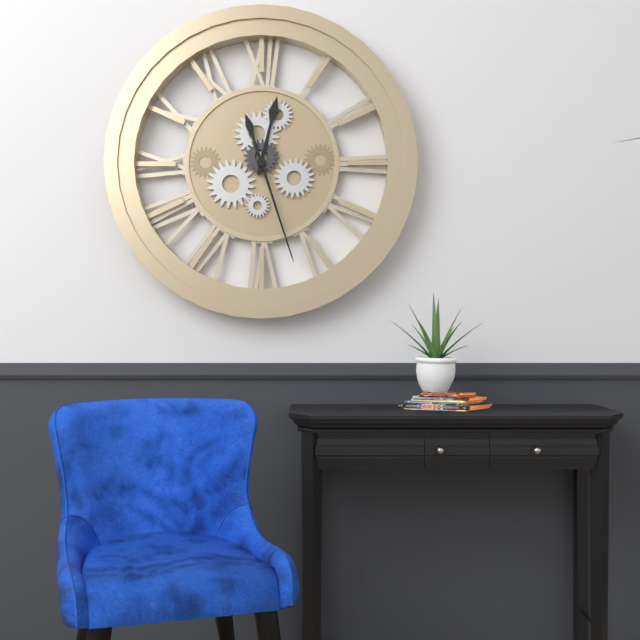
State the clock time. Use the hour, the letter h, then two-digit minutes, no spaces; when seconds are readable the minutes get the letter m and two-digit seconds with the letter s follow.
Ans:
12h27
